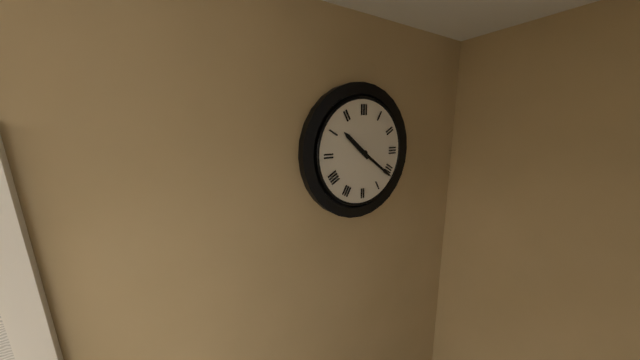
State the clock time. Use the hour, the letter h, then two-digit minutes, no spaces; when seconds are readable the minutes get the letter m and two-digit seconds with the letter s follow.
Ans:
10h21
